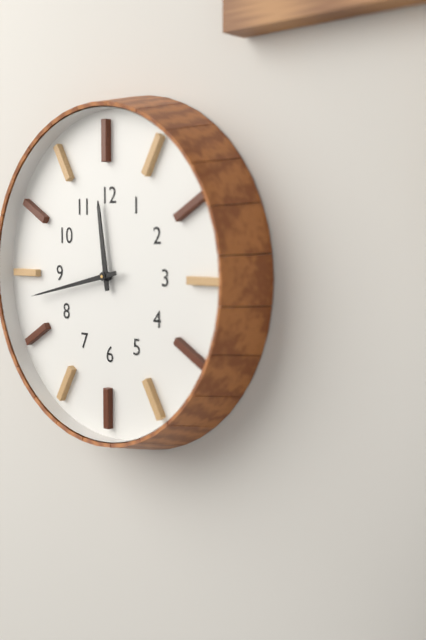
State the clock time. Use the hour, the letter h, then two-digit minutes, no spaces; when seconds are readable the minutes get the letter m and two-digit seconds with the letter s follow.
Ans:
11h43
